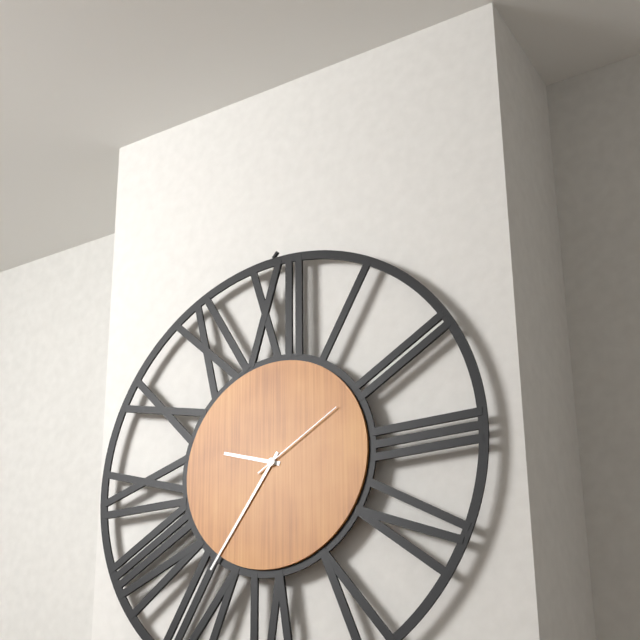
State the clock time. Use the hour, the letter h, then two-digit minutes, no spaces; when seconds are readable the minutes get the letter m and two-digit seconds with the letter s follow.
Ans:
9h36m10s
